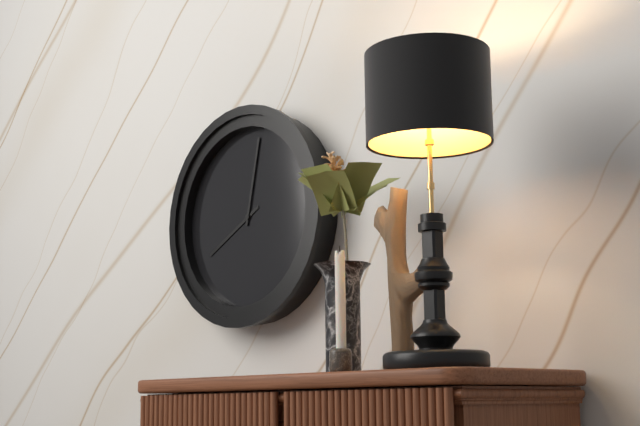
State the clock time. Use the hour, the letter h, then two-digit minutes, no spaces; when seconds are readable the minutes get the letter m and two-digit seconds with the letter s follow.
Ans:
8h02
